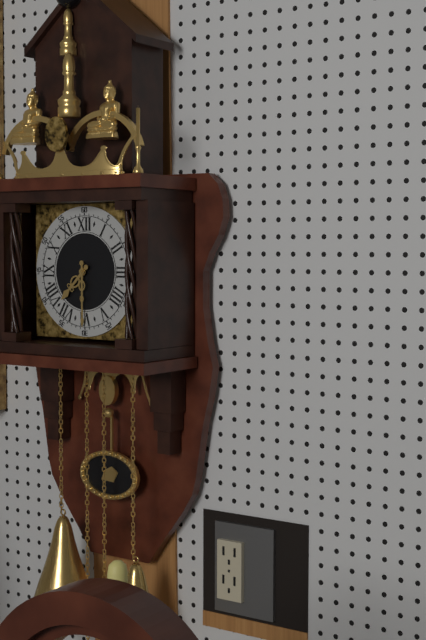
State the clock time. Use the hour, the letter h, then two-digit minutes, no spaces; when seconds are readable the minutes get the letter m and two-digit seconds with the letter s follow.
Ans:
7h30
